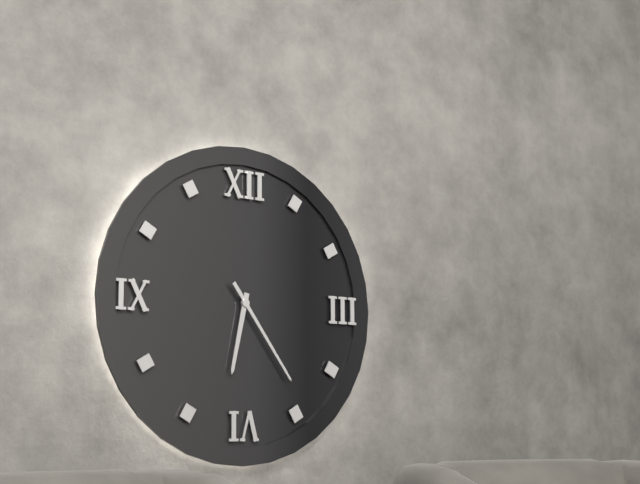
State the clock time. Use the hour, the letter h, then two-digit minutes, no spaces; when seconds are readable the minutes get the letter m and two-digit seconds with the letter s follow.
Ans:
6h24
